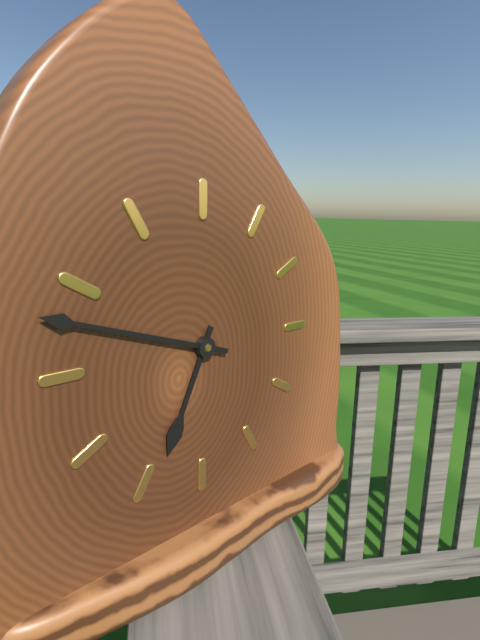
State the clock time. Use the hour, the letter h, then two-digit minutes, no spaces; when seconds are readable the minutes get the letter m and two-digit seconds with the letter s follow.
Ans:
6h48
